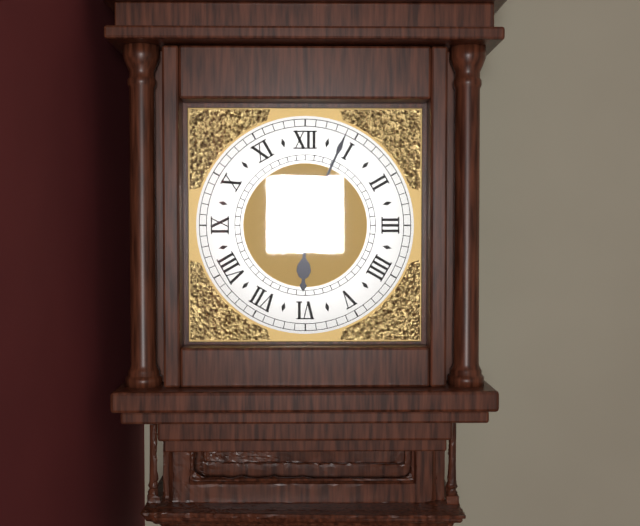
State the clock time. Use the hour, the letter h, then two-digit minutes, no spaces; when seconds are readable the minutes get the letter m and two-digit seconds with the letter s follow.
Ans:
6h04
